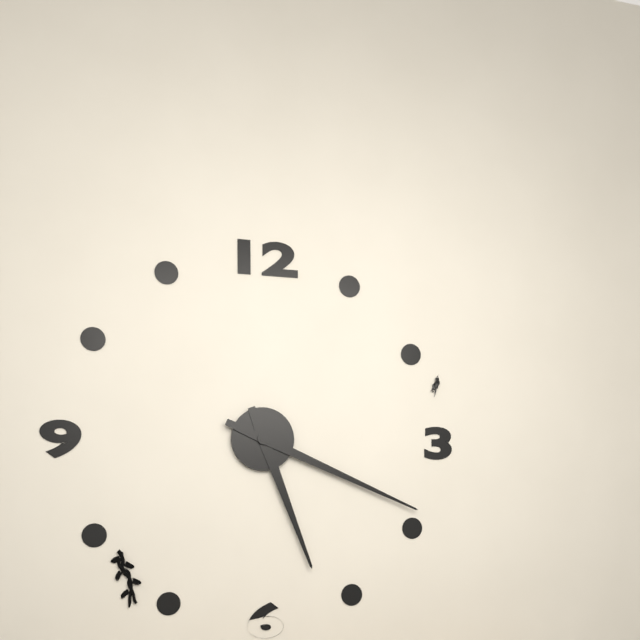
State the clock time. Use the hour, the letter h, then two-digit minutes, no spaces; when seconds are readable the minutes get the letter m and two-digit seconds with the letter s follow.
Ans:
5h19
